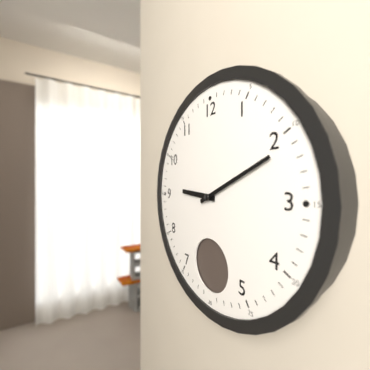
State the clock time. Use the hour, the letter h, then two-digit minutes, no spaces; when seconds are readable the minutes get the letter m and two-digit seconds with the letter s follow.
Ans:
9h11
